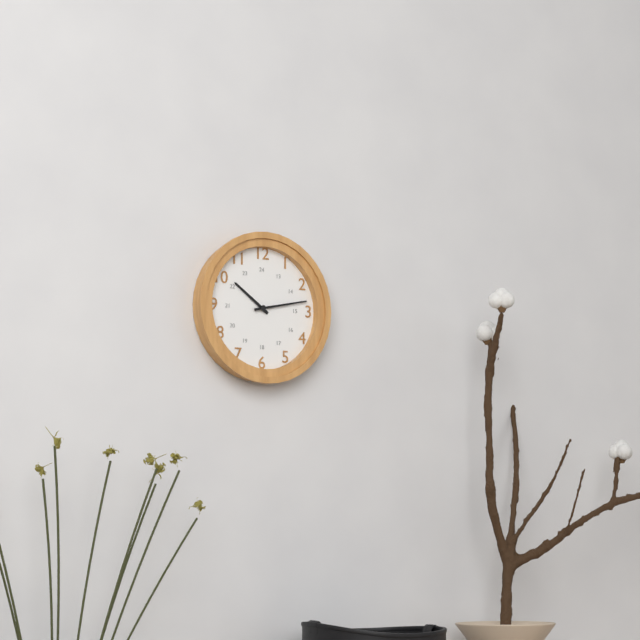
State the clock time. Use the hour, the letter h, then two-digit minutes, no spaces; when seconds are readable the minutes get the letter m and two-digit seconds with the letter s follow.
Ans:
10h13
